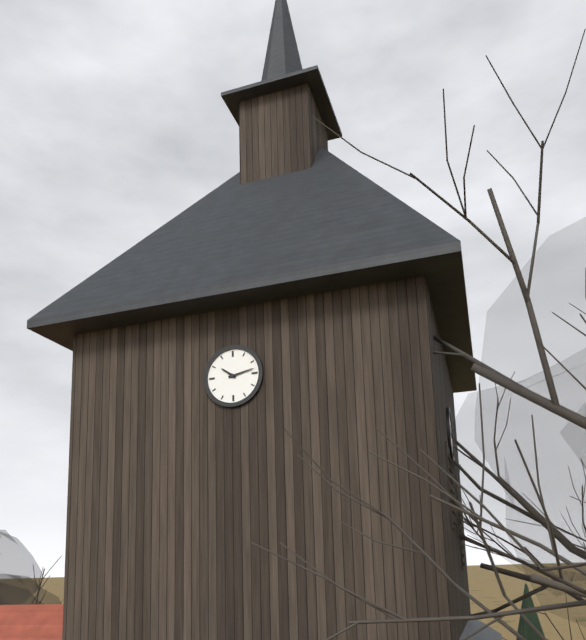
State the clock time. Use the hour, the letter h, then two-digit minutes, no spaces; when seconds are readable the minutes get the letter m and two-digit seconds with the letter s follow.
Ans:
10h13
